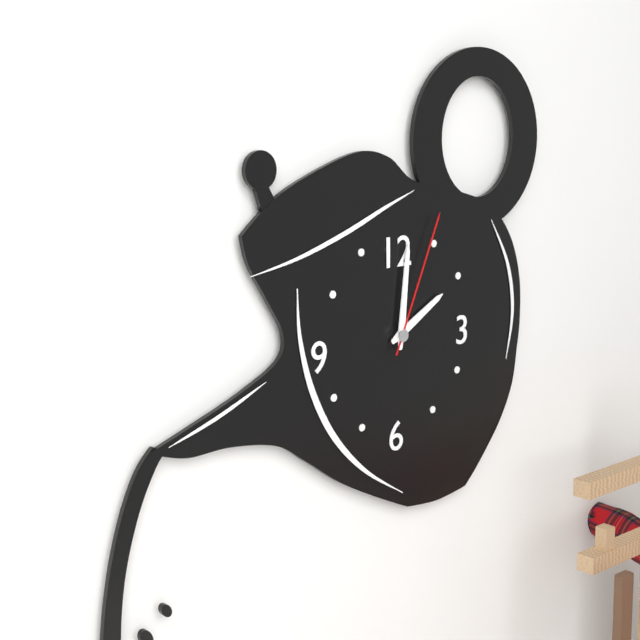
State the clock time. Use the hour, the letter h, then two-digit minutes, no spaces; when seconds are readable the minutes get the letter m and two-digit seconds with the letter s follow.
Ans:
2h01m04s
